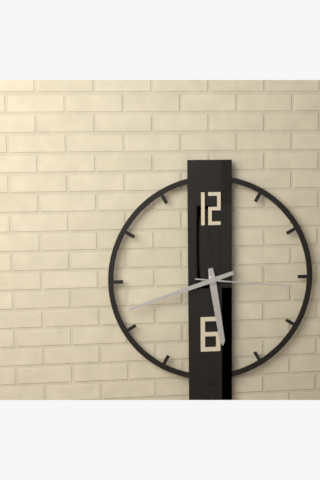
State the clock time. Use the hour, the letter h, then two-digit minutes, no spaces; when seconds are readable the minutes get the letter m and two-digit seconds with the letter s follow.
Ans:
5h42m16s
